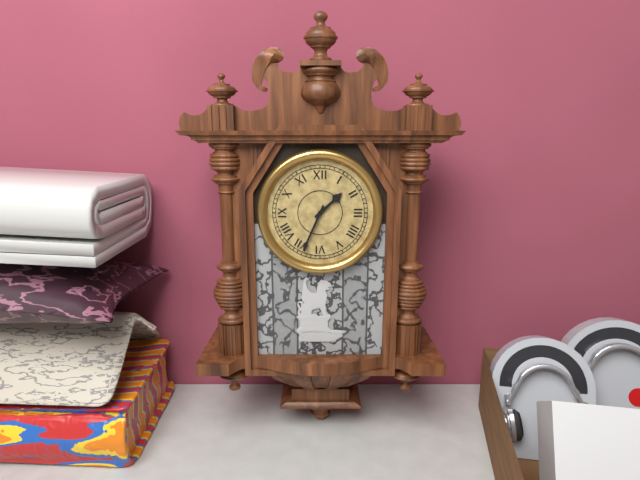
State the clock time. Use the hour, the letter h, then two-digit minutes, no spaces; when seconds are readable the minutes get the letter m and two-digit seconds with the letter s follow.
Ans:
1h34
